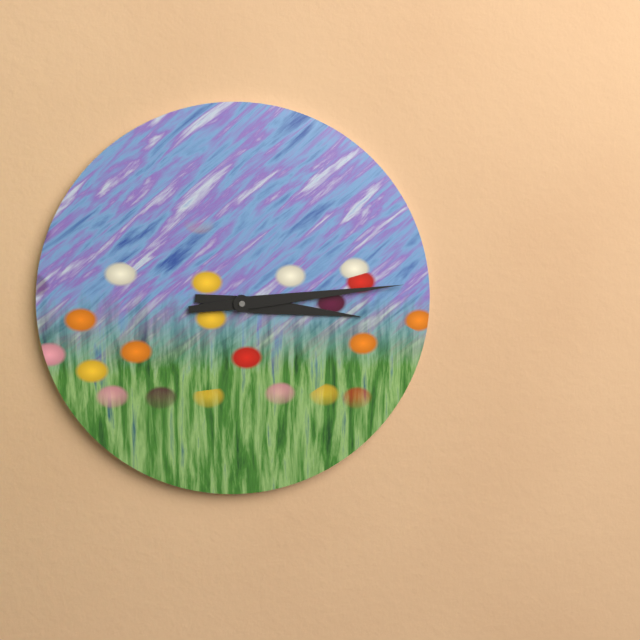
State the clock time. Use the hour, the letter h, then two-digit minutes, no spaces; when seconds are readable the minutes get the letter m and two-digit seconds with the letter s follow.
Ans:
3h14
